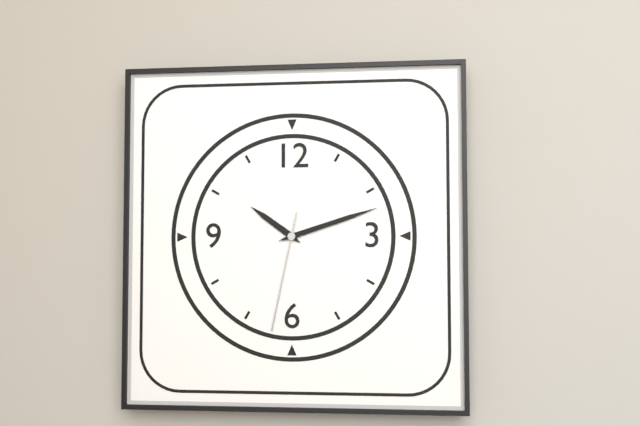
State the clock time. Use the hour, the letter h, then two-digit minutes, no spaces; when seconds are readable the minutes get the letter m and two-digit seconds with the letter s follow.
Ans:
10h12m32s
